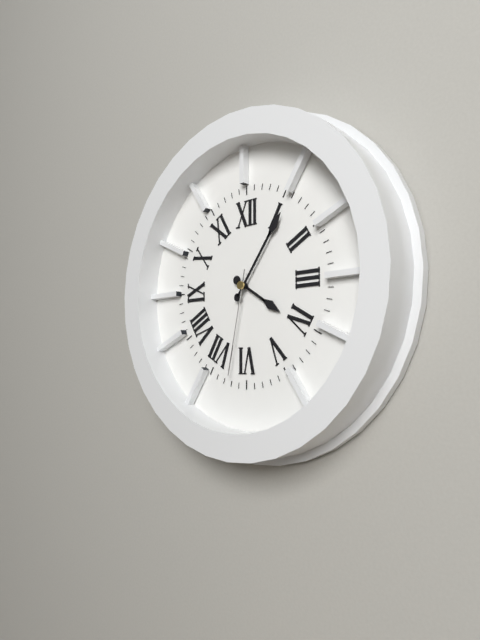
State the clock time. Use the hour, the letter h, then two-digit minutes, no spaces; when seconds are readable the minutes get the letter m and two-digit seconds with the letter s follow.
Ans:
4h06m32s
